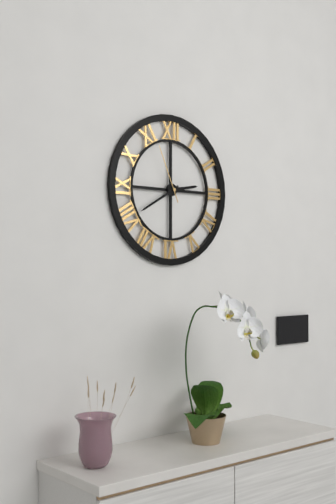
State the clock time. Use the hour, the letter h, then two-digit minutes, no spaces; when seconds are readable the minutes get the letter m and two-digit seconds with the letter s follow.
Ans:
2h40m56s
